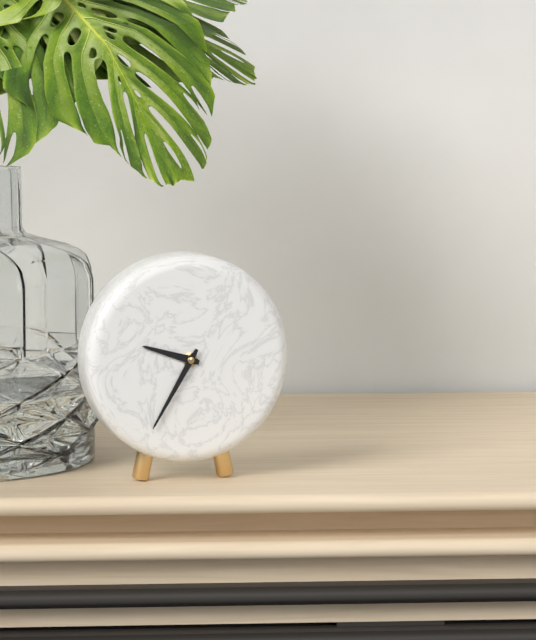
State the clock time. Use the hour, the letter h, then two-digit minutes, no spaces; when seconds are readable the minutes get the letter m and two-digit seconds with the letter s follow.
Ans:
9h35
